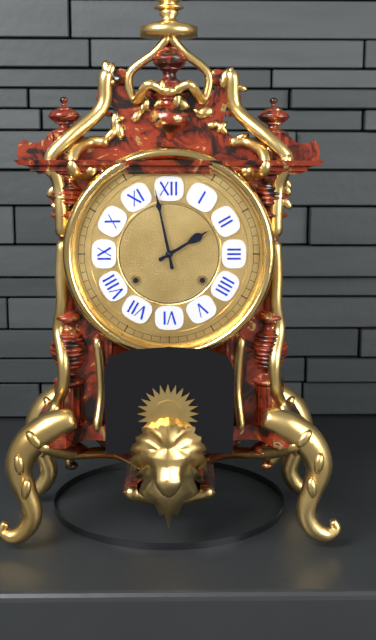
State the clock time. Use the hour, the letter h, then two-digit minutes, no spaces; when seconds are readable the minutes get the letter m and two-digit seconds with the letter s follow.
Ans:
1h58
